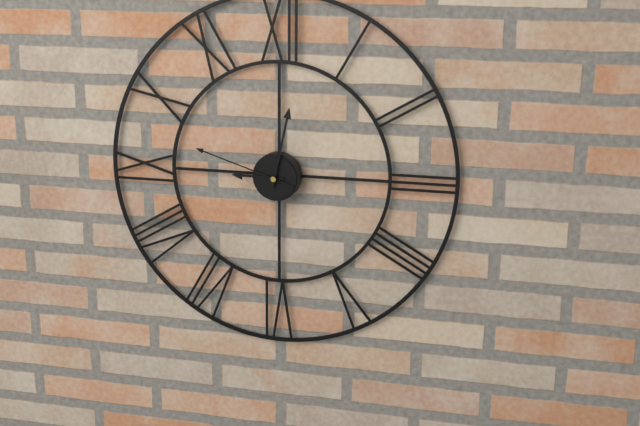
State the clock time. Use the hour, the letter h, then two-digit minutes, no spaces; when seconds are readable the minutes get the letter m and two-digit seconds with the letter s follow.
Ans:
9h02m48s
